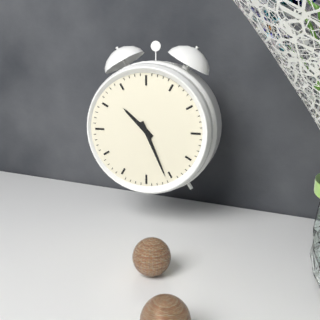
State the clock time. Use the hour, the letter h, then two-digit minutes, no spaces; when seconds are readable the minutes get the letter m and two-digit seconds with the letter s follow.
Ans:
10h26
